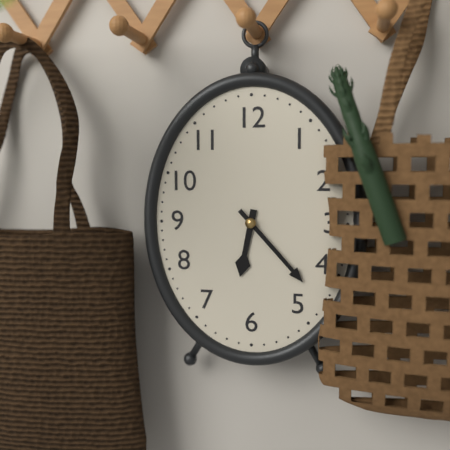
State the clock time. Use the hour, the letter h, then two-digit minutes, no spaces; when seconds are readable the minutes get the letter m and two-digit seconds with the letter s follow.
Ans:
6h23
